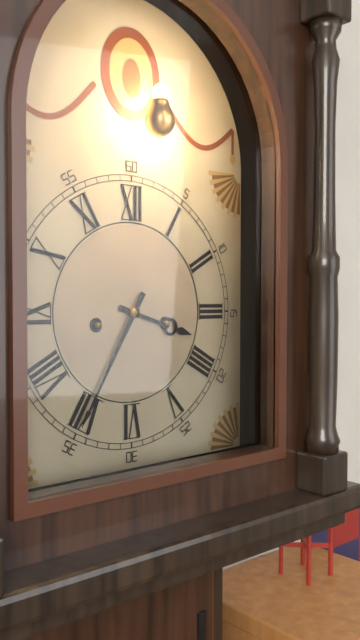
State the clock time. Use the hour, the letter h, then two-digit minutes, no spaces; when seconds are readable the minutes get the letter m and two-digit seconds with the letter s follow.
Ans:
3h35
